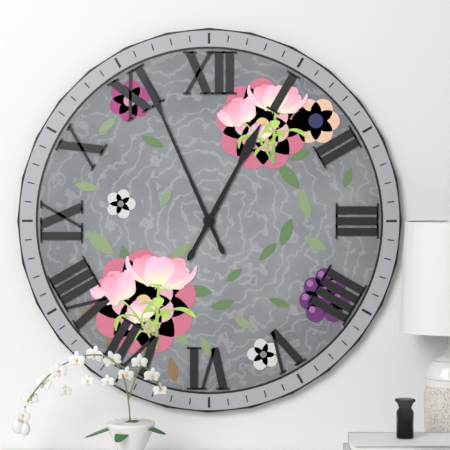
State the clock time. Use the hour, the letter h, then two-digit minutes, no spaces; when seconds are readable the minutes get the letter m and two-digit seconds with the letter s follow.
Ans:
12h56
